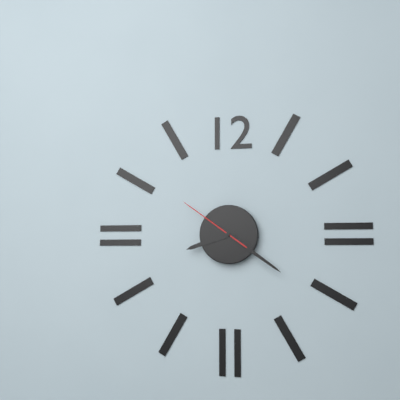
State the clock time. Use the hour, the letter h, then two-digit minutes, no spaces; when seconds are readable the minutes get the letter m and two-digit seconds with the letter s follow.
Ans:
8h21m51s
